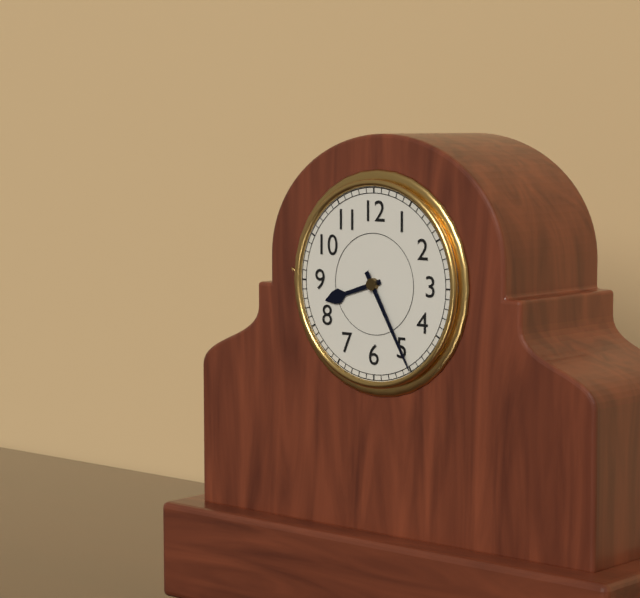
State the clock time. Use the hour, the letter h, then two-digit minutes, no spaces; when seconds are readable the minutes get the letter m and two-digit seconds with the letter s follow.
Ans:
8h25
